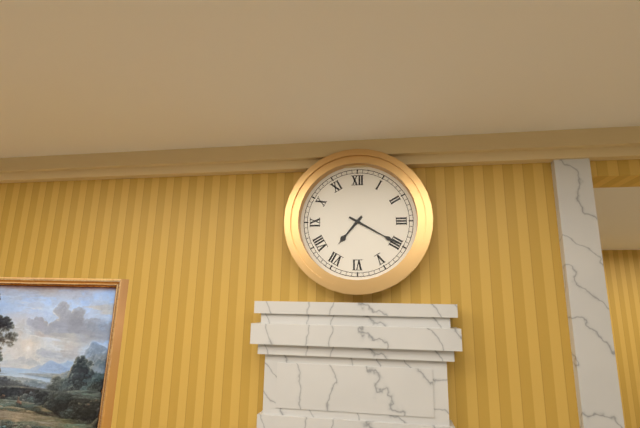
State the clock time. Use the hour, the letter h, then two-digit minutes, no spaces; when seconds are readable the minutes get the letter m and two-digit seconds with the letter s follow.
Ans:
7h20
